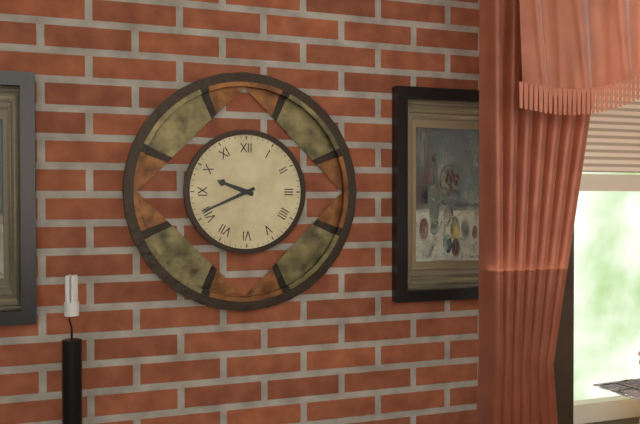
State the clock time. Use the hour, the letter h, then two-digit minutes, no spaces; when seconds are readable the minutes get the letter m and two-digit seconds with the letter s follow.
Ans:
9h41
